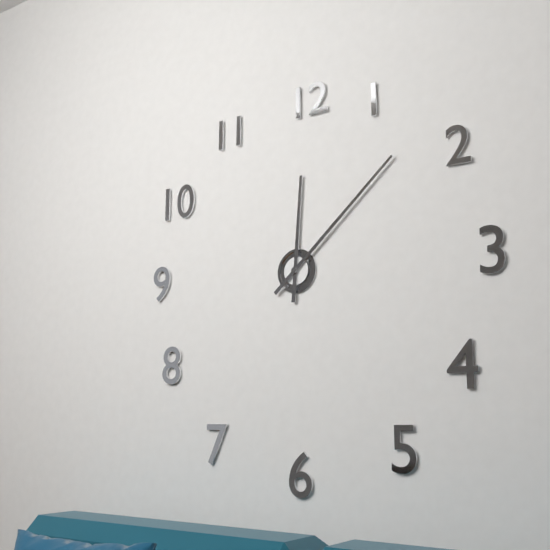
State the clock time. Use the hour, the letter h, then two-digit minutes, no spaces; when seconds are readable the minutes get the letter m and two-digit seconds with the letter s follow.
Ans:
12h08
